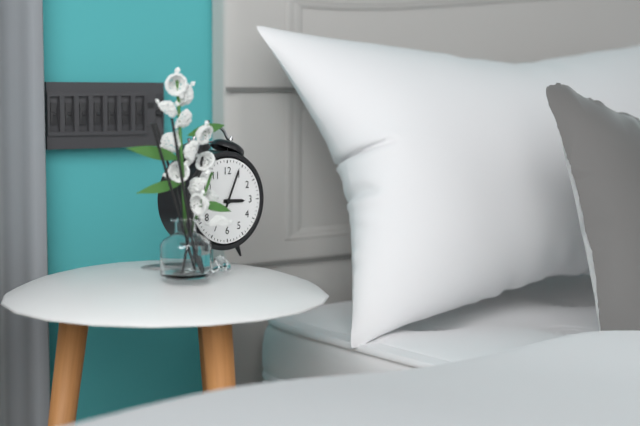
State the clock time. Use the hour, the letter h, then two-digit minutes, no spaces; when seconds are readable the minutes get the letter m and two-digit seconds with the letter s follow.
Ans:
3h04
